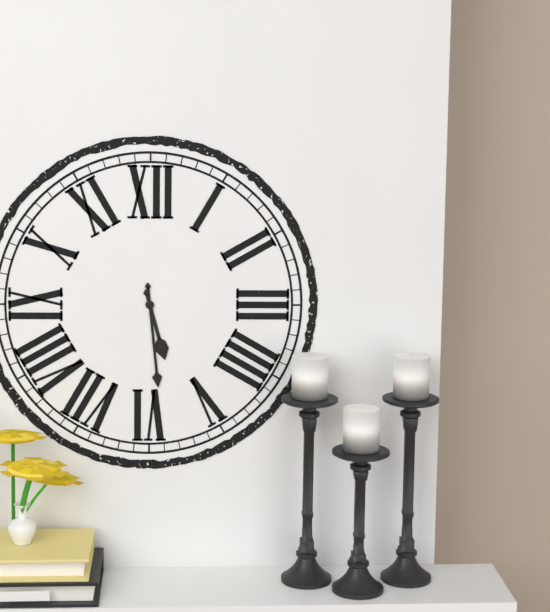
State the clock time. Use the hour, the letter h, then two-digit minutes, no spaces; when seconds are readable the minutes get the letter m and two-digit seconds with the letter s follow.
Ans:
5h29
